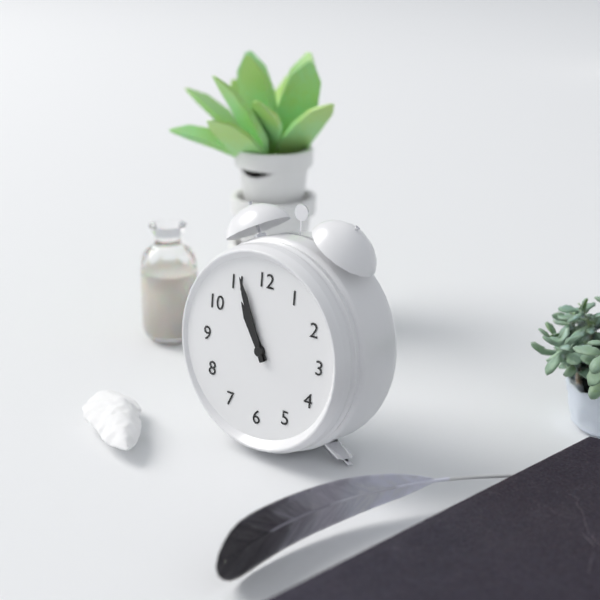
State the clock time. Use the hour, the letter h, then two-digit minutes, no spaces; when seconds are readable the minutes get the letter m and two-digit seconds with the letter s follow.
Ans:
10h56
